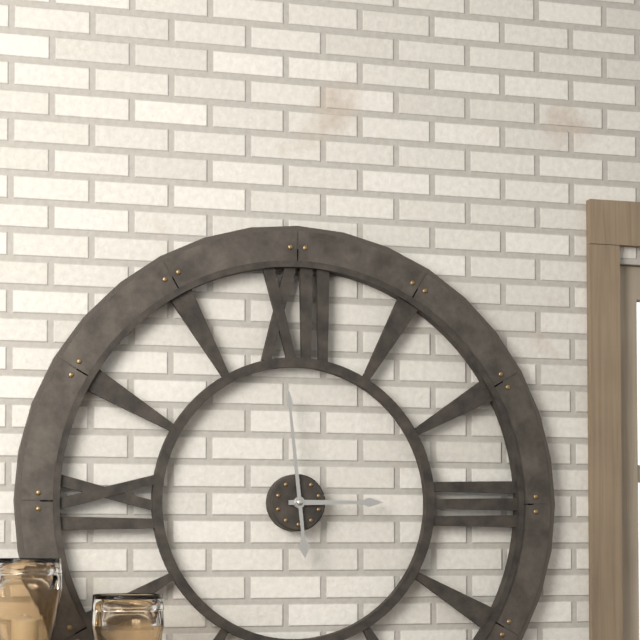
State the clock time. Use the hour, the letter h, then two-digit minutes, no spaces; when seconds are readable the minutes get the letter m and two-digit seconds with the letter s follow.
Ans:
2h59
